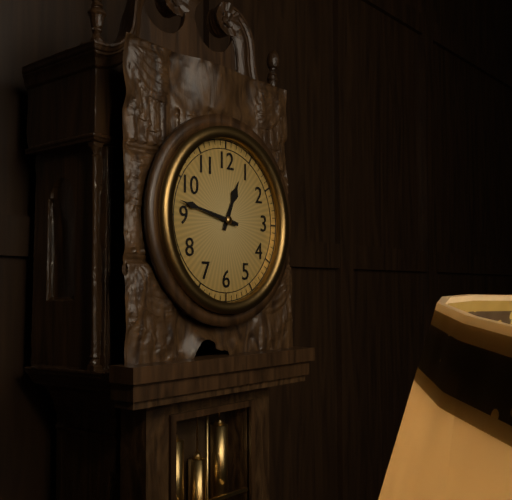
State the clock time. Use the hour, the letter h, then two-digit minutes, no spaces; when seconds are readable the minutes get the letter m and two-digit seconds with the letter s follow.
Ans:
12h47
